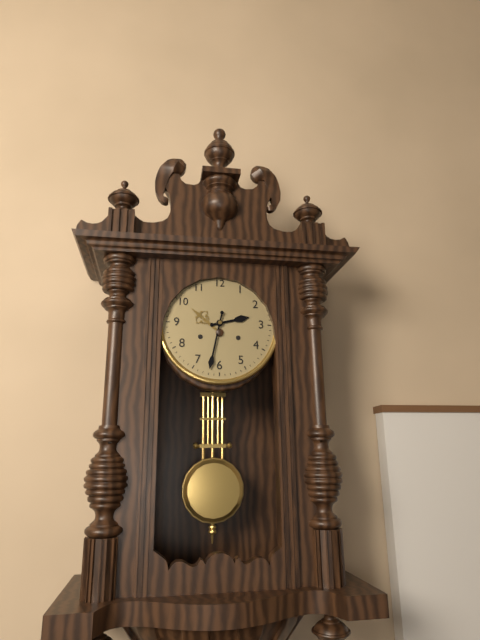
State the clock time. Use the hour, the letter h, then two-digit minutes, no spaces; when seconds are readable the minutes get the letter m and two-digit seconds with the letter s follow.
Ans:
2h32
